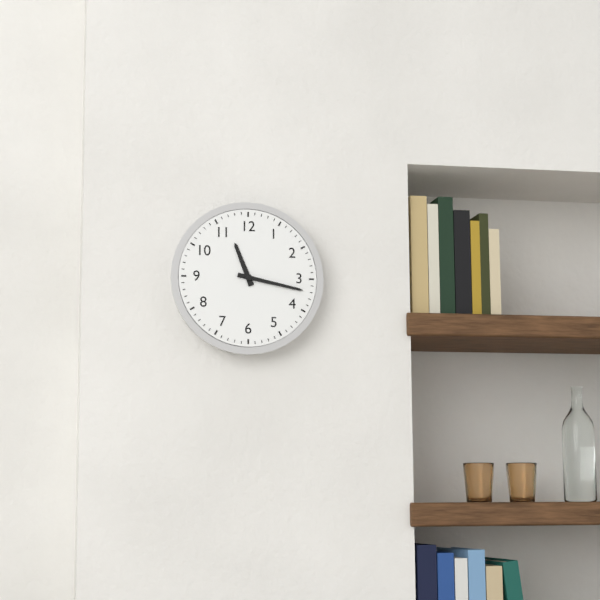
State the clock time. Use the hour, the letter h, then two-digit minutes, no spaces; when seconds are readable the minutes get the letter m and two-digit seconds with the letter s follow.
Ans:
11h17
